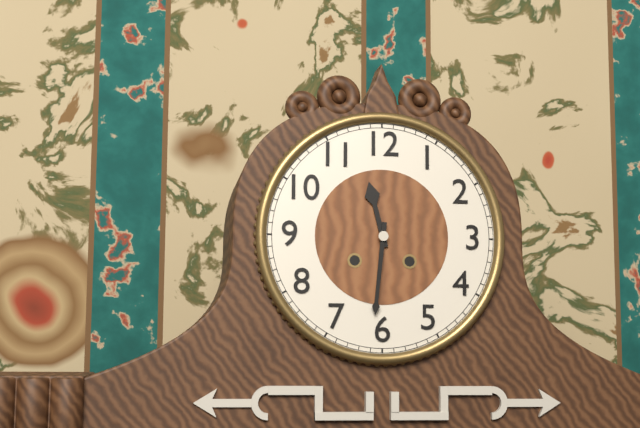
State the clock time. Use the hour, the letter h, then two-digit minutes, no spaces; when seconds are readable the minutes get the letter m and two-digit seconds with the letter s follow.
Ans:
11h31
